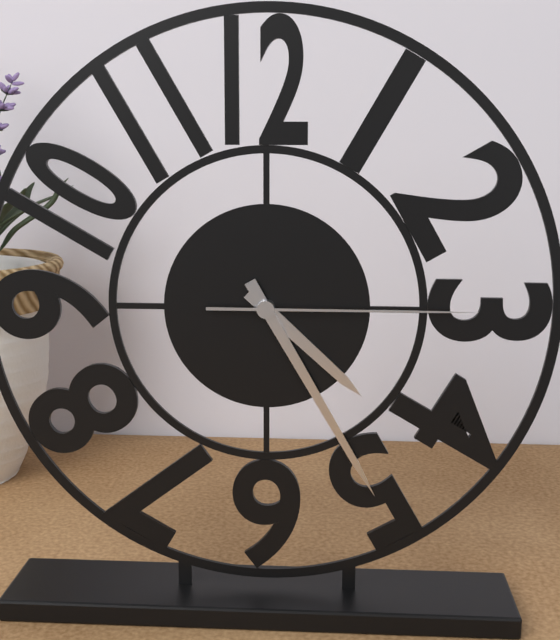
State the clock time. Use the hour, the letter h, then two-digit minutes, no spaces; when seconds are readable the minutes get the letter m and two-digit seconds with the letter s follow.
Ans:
4h25m15s
